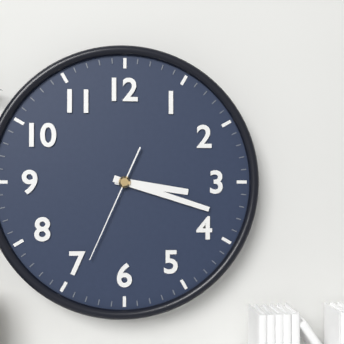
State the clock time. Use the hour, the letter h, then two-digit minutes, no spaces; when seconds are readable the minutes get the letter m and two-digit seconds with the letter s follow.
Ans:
3h18m34s
